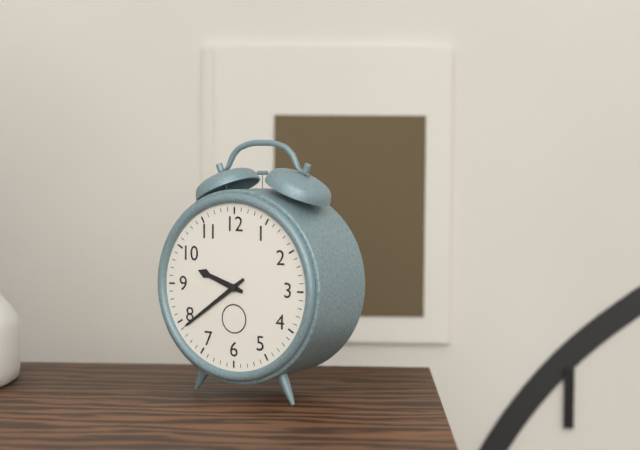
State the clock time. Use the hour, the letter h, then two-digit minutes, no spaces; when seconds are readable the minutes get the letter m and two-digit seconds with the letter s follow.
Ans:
9h39
